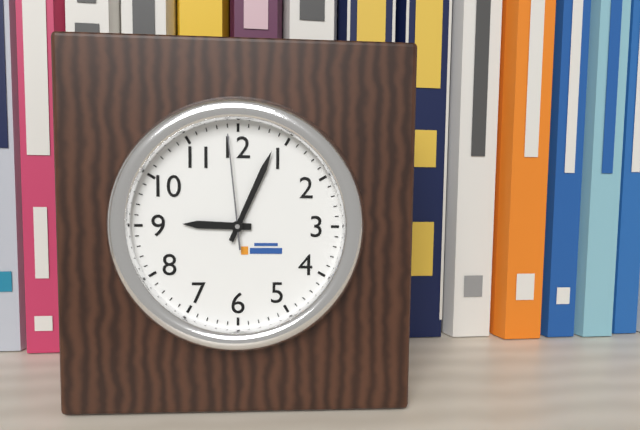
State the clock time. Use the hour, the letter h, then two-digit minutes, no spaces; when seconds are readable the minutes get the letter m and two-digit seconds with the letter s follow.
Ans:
9h04m59s
